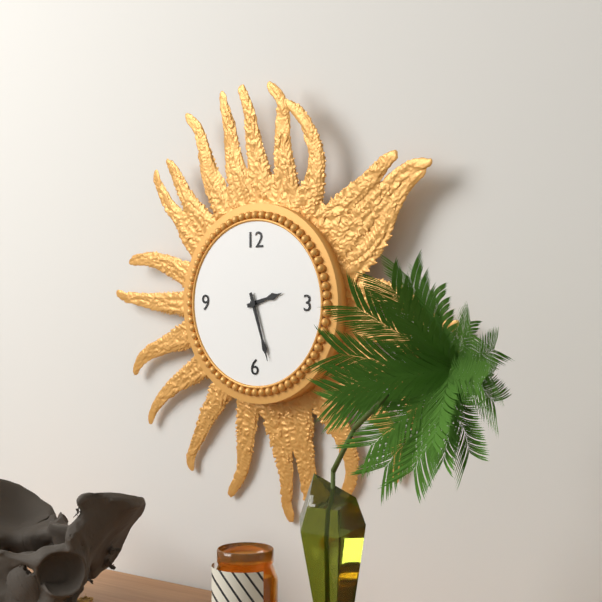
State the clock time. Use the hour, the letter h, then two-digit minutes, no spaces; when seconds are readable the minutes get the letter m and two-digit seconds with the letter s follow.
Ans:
2h27
